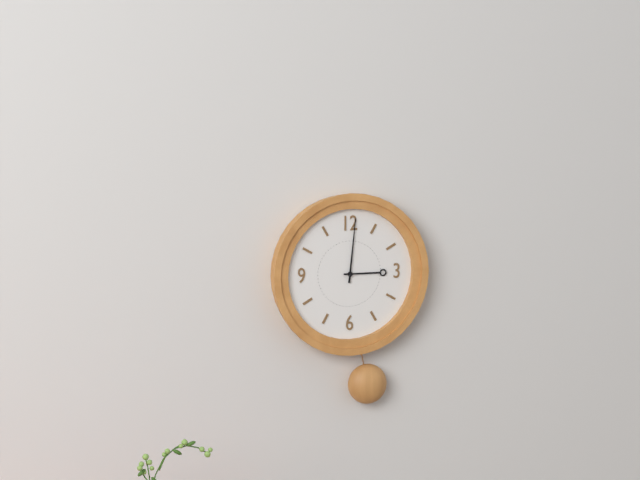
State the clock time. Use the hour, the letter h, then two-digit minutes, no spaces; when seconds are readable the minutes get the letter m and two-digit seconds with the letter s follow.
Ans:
3h01
